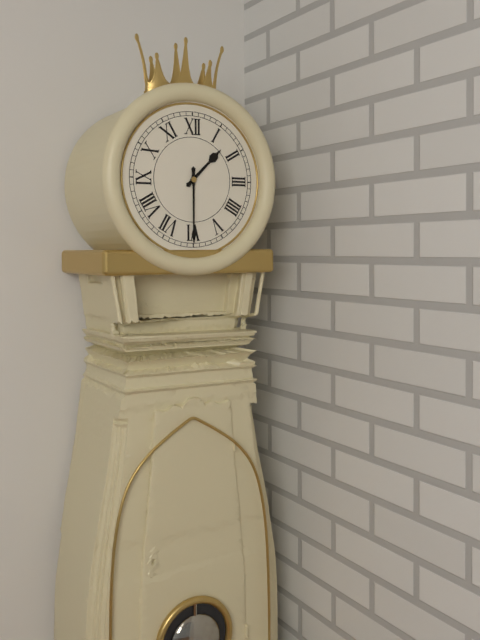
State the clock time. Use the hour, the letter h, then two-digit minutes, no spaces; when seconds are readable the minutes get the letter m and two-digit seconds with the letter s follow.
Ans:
1h30
